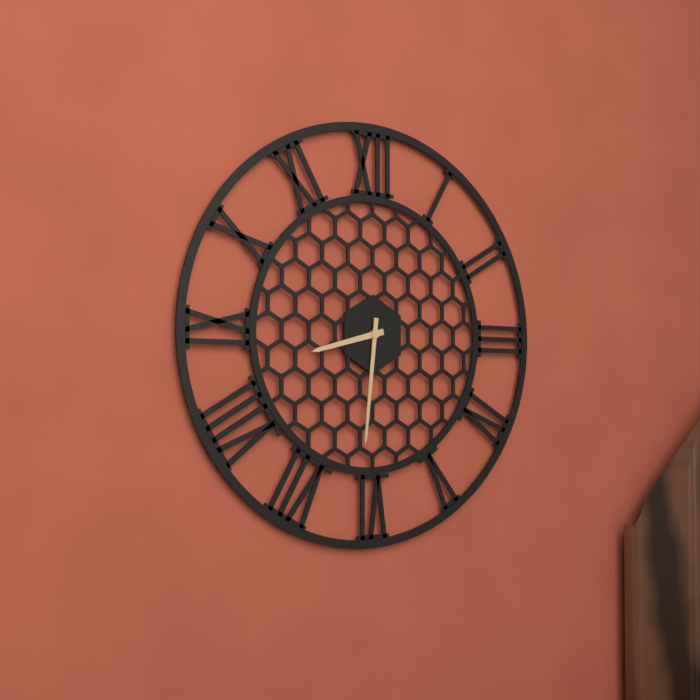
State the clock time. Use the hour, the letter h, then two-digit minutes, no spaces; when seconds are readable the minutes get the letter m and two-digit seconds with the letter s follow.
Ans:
8h31
